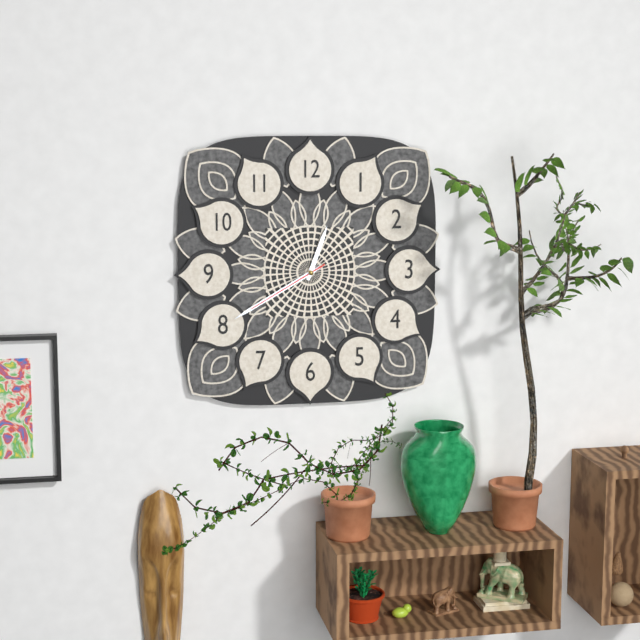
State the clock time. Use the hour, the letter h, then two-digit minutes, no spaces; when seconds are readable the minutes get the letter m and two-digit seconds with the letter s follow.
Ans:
12h40m40s
